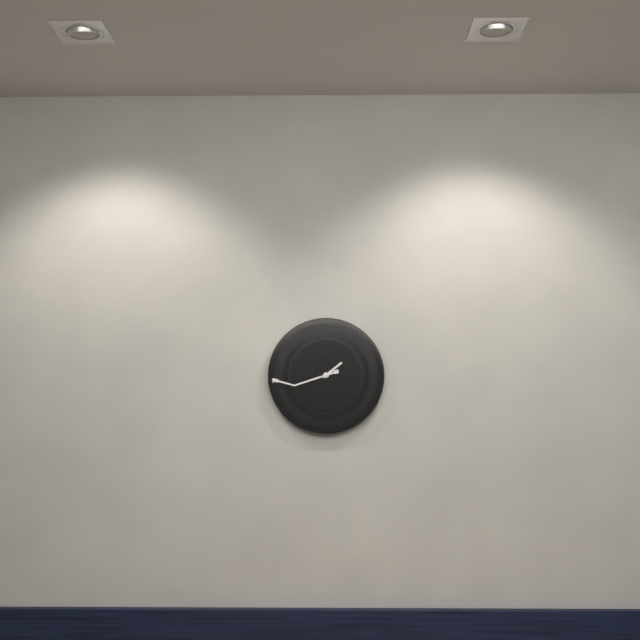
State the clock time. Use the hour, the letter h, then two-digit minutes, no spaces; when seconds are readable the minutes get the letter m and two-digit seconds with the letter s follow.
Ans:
1h42
